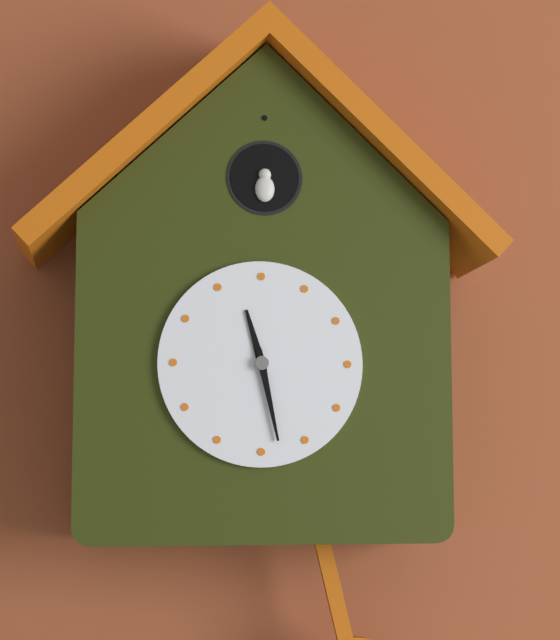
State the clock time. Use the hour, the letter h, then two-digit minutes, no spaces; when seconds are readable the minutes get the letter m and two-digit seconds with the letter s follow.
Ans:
11h28
